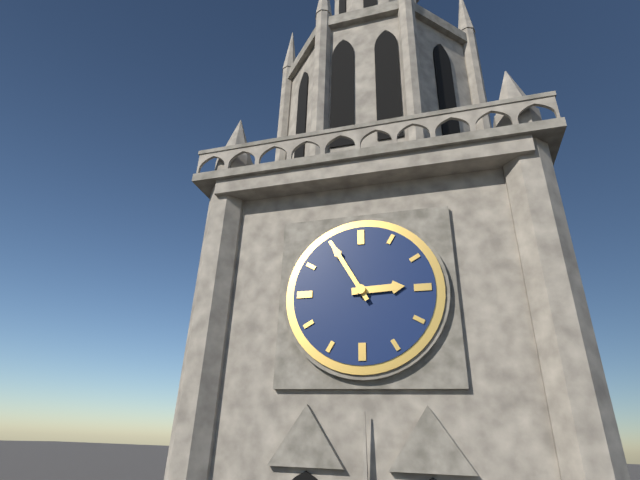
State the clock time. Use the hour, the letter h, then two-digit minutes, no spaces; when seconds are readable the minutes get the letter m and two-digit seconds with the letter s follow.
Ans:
2h55
